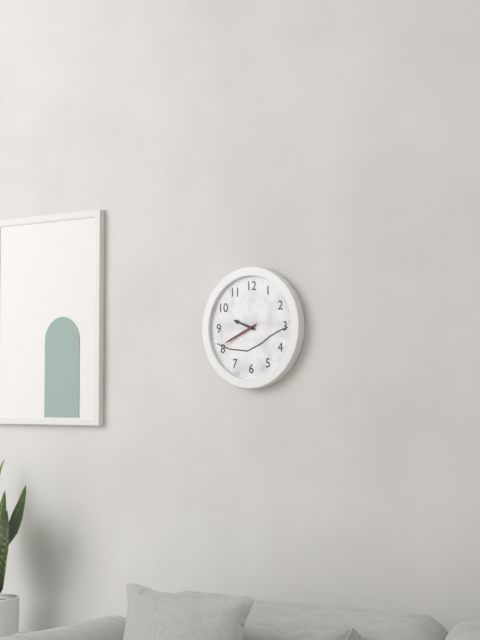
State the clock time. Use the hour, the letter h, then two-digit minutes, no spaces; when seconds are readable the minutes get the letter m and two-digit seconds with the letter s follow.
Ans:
9h41
